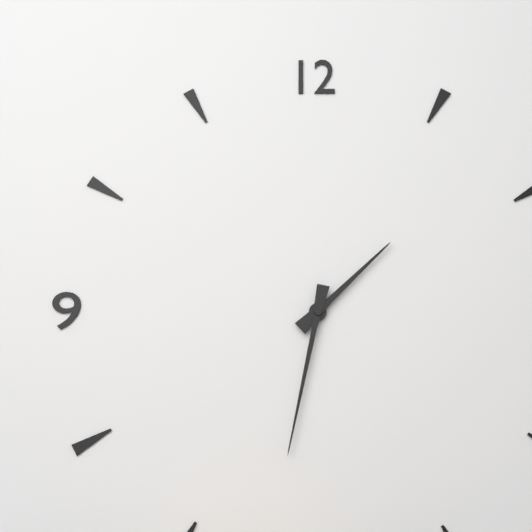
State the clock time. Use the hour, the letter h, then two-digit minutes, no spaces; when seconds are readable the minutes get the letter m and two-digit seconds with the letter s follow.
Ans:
1h32
